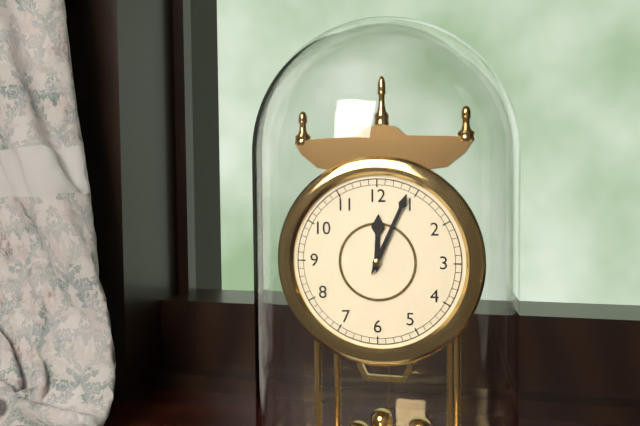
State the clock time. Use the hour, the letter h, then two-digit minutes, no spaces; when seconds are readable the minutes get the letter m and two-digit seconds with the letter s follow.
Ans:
12h04
